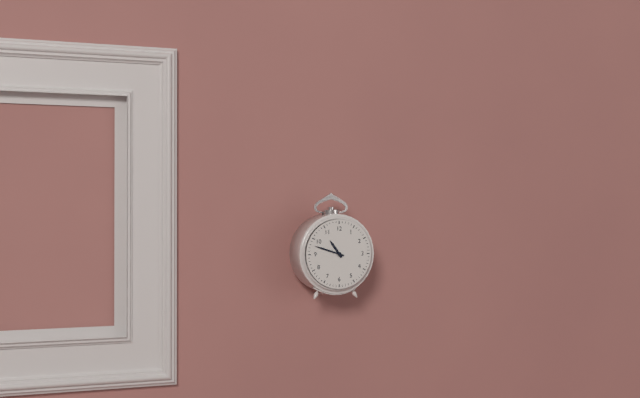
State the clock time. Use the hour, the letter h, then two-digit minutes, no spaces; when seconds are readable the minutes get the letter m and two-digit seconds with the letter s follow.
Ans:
10h48
